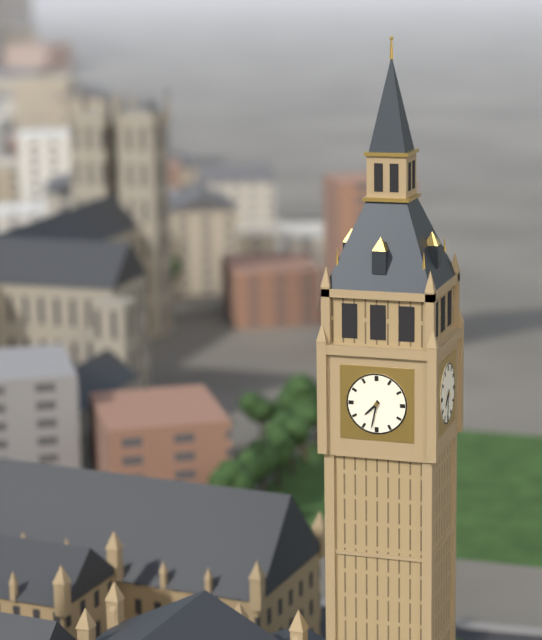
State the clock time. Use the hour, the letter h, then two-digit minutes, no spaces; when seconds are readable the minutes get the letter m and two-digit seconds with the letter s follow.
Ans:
7h32
